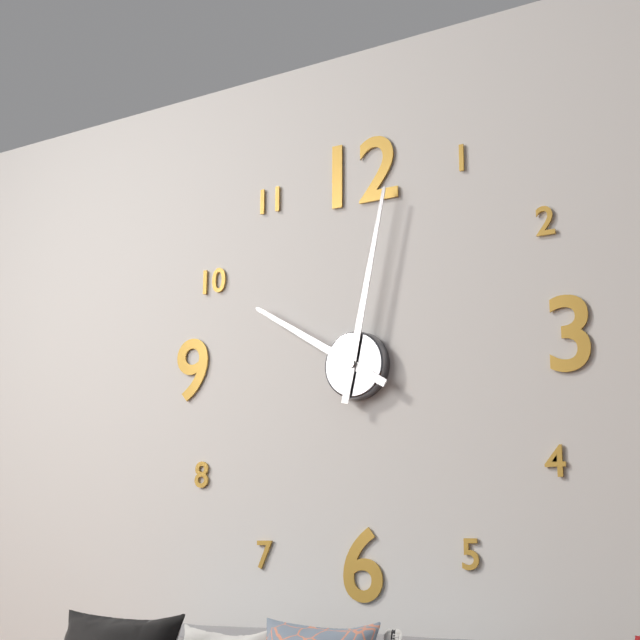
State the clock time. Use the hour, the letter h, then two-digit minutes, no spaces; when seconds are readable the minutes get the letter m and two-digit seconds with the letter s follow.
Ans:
10h02
